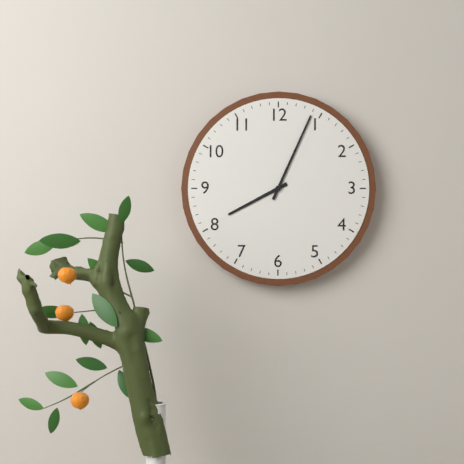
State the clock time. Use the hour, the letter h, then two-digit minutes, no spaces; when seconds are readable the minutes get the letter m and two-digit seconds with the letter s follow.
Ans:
8h04
